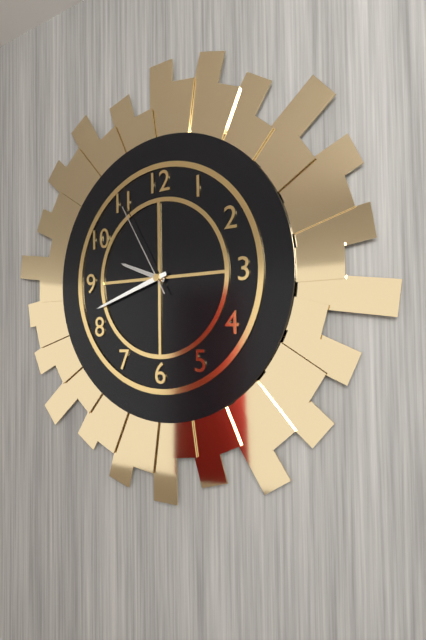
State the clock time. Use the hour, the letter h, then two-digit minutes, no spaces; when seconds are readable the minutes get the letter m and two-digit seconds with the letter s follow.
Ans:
9h42m55s
